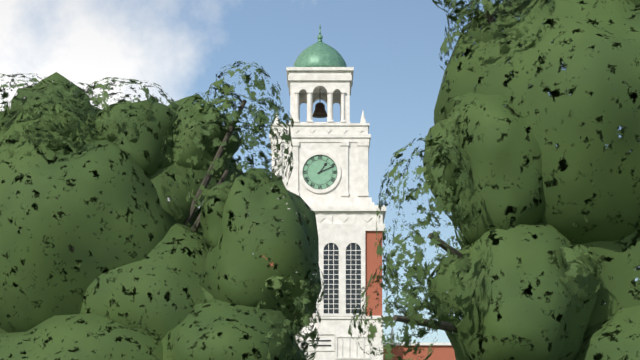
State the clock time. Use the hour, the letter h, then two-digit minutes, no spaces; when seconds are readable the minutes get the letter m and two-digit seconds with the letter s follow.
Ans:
1h11
